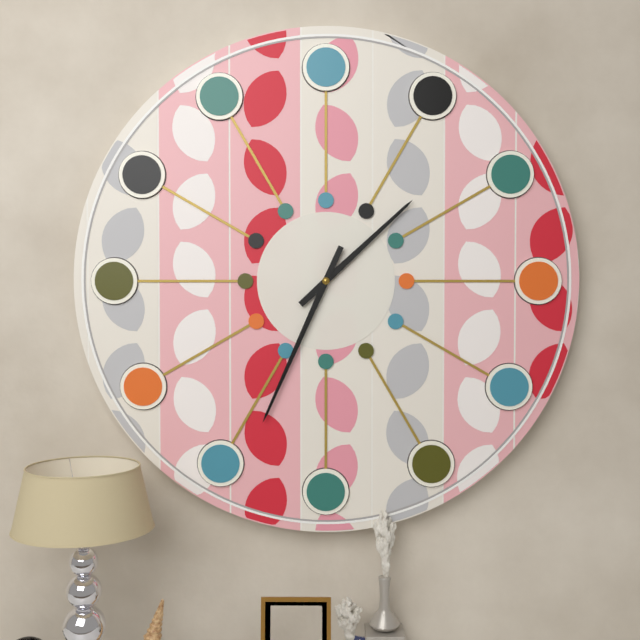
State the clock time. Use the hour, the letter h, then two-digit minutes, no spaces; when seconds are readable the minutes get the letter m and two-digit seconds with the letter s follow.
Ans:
1h34
